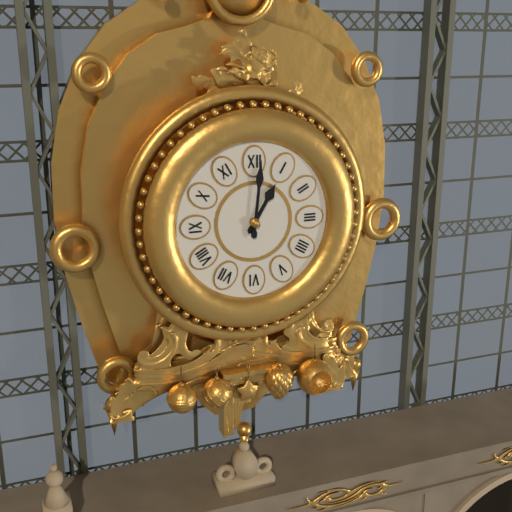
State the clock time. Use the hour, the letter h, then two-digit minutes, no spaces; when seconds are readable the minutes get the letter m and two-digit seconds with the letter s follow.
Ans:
1h01
